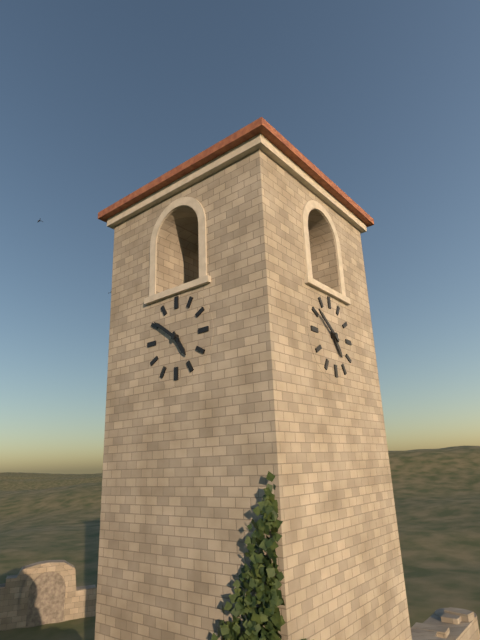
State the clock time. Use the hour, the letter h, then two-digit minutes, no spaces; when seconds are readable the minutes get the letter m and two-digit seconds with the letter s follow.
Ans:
4h51
